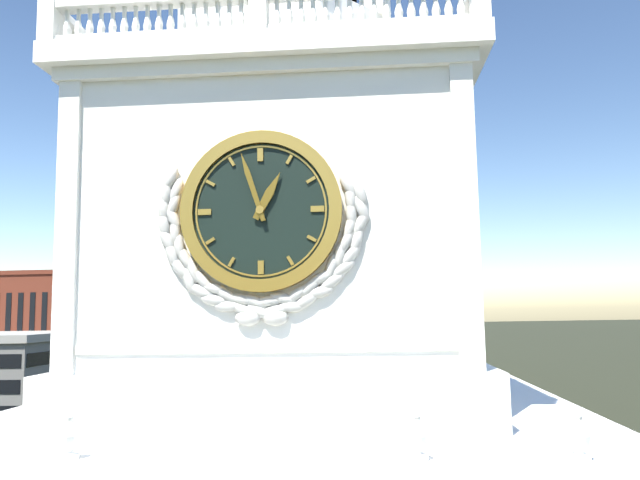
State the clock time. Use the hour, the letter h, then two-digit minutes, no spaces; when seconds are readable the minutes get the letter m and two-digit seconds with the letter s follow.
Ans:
12h57
